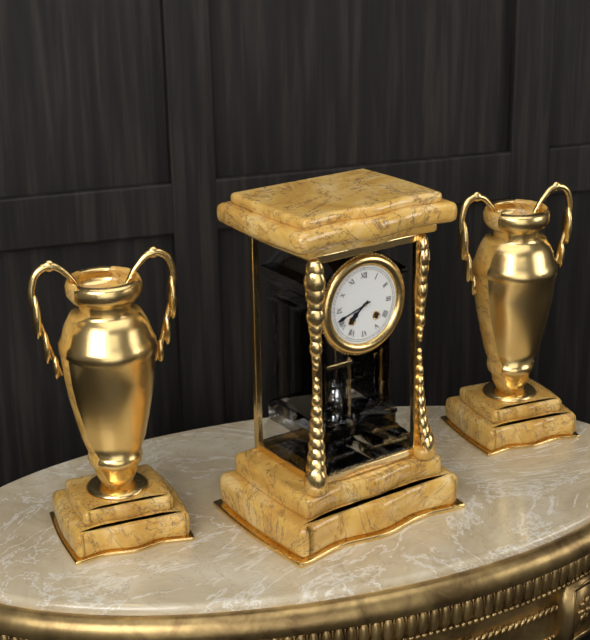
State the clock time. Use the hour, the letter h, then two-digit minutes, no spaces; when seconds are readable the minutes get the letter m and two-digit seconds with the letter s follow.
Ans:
7h42
